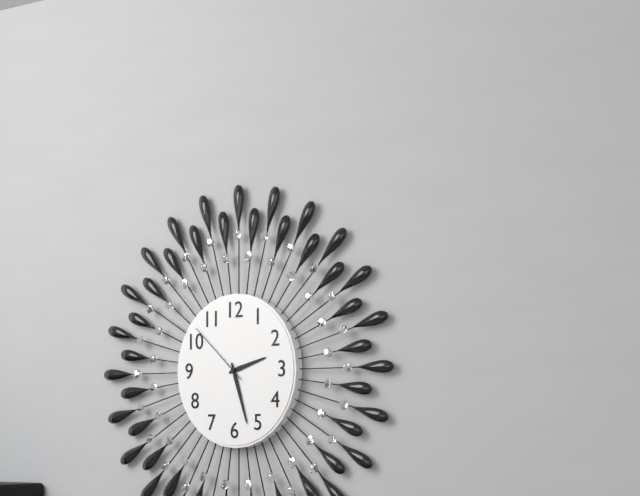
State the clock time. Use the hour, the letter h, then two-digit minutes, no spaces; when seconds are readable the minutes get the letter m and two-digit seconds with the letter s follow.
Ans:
2h27m52s
